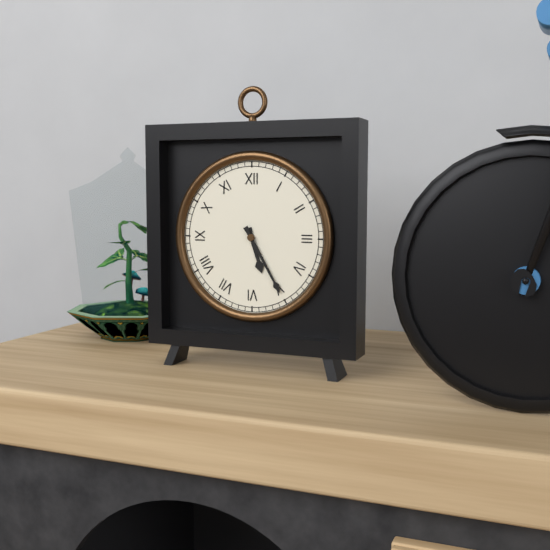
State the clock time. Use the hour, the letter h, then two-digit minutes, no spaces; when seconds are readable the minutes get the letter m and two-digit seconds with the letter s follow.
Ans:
5h25
